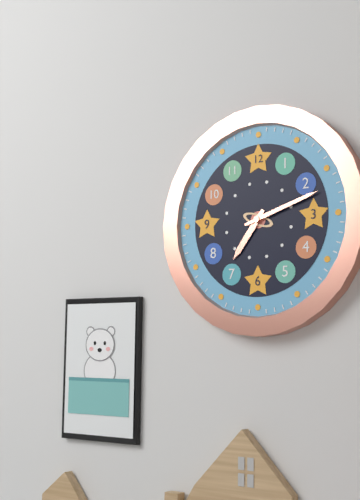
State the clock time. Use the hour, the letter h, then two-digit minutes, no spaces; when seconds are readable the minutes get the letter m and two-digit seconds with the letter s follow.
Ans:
7h12
